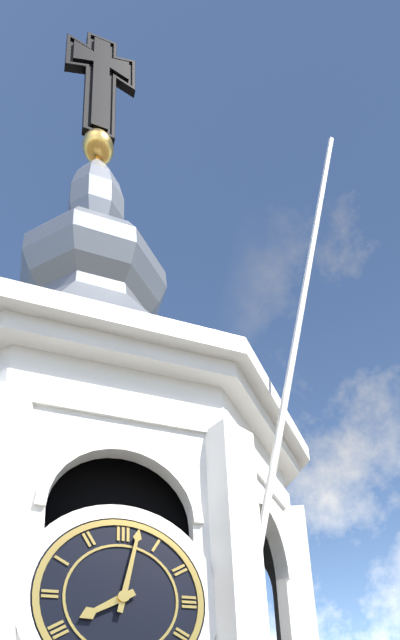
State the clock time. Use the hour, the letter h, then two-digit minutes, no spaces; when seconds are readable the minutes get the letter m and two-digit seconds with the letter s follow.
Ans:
8h02
